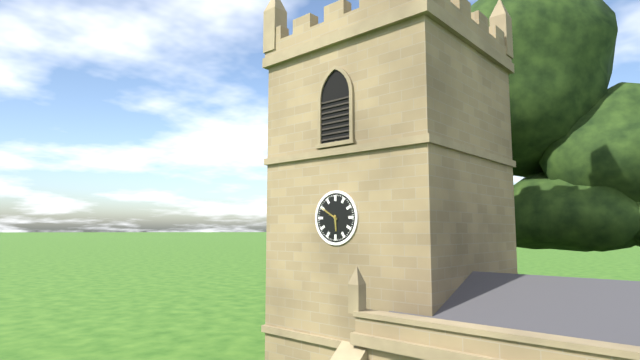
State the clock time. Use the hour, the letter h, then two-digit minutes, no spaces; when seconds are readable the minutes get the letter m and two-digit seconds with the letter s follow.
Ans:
5h50
